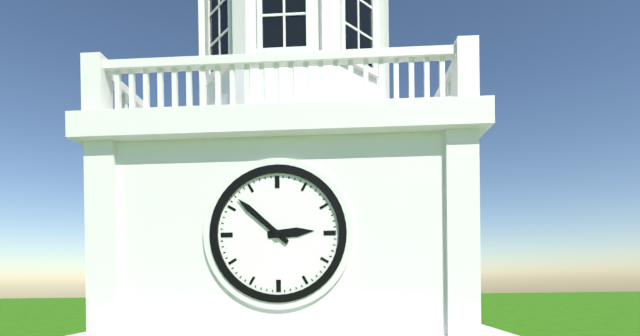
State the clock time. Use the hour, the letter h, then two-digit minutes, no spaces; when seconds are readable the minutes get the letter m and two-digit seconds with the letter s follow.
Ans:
2h52
